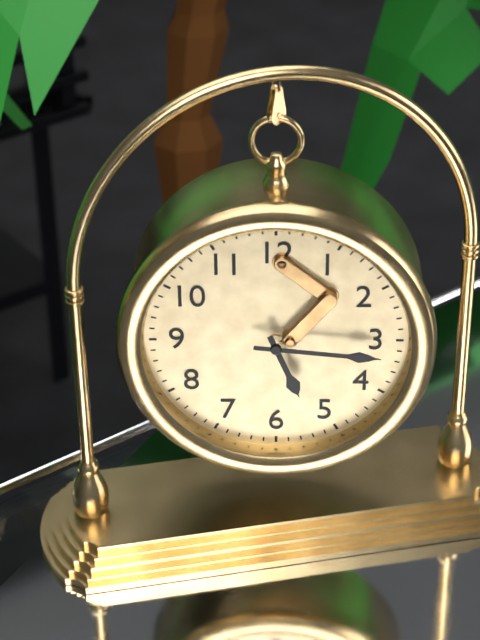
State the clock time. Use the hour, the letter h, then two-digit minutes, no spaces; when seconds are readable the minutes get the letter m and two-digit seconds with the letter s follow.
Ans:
5h16
